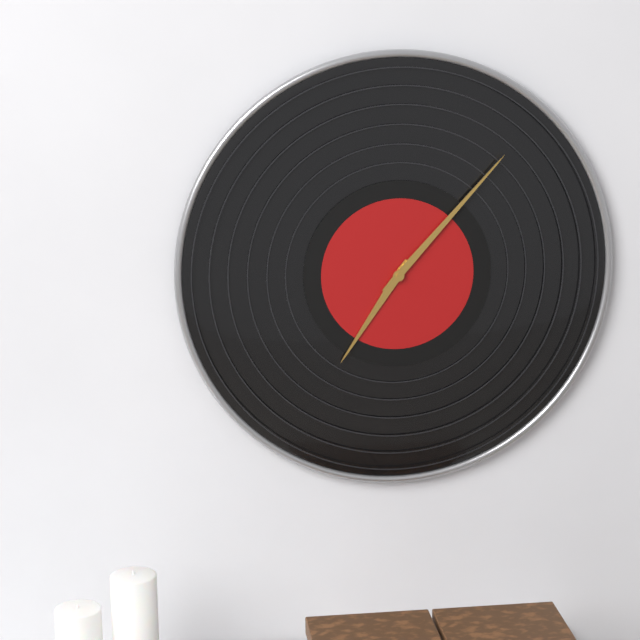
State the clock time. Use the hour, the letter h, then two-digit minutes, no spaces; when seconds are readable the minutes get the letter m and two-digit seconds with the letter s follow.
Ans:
7h07
